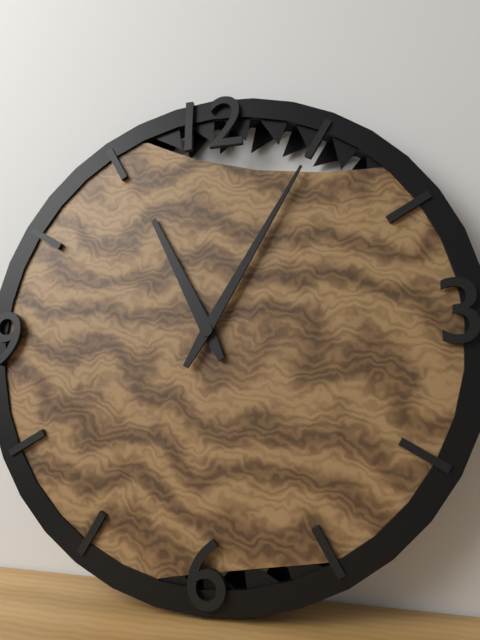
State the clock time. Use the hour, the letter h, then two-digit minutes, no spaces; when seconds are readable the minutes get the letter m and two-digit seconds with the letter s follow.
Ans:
11h05
